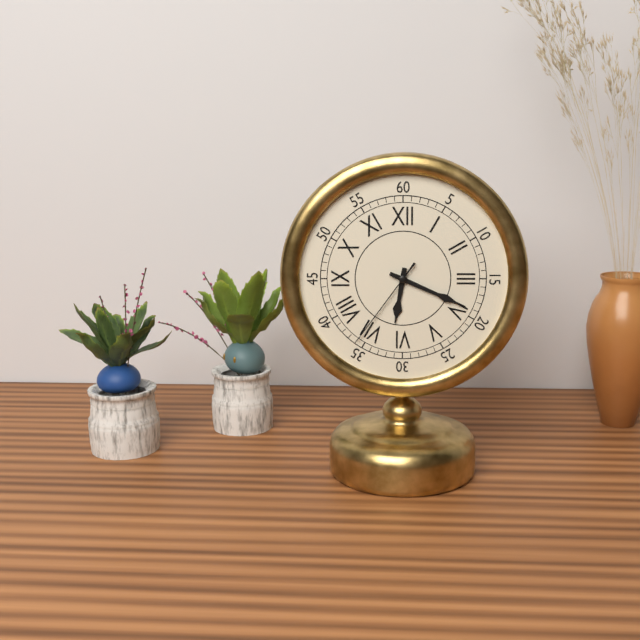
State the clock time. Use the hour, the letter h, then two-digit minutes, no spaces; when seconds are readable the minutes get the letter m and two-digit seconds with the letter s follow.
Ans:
6h19m36s
